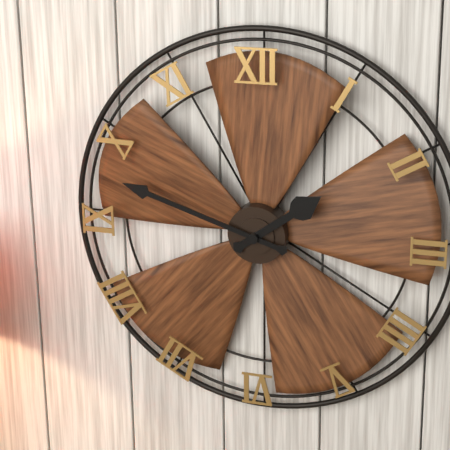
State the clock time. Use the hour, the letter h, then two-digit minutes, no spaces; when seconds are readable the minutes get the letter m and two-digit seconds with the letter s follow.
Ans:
1h48
